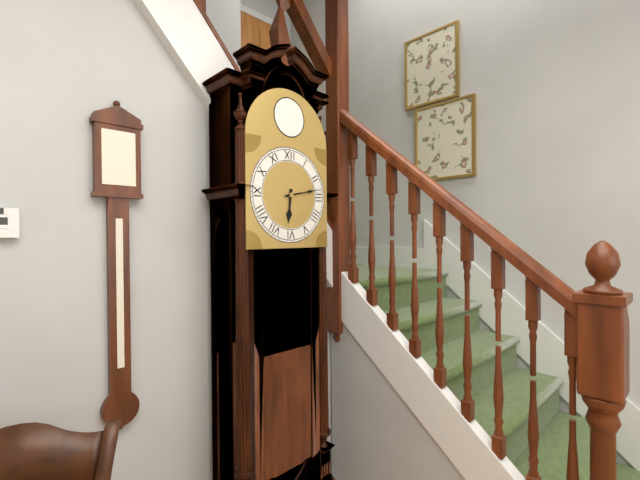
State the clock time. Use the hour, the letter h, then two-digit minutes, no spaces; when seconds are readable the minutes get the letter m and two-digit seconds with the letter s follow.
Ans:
6h13
